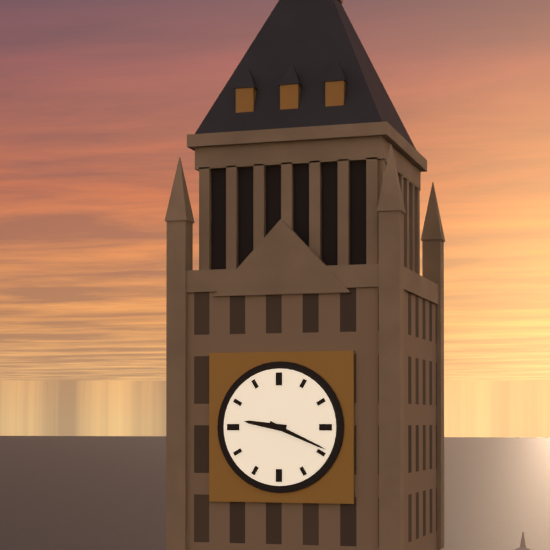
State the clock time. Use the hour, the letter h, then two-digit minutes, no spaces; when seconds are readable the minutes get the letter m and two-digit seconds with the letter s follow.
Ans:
9h19
